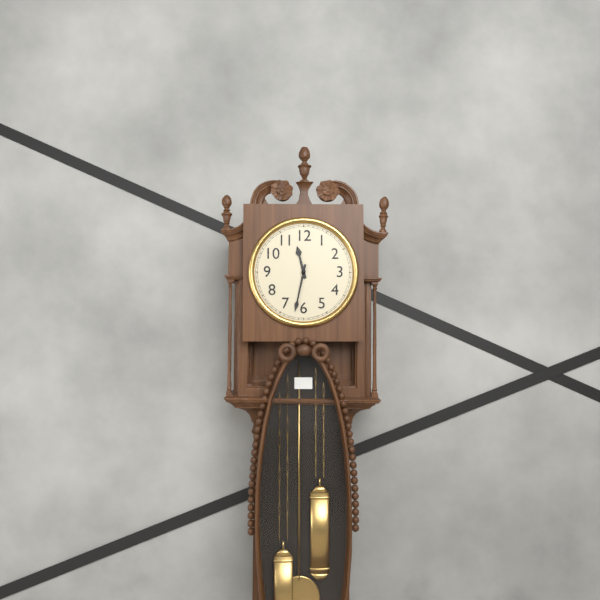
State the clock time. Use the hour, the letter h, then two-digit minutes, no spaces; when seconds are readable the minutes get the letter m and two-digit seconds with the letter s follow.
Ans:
11h32
